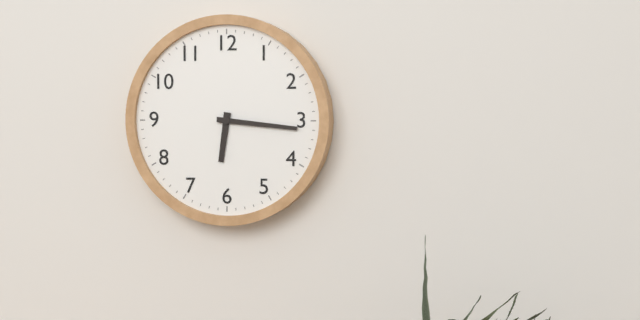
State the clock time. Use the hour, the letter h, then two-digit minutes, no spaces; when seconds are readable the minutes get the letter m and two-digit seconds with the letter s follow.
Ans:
6h16
